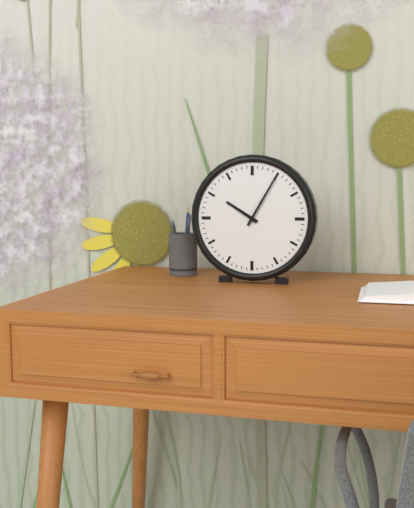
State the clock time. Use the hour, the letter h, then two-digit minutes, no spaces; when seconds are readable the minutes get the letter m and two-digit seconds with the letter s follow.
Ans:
10h05
